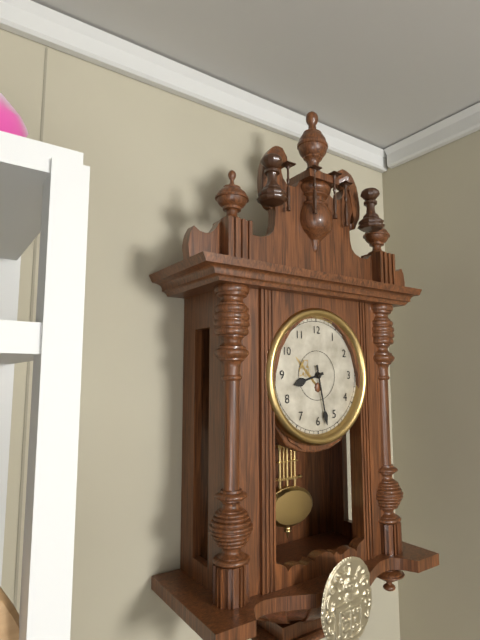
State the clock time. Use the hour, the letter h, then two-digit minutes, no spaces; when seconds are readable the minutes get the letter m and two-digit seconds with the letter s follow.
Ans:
8h28
